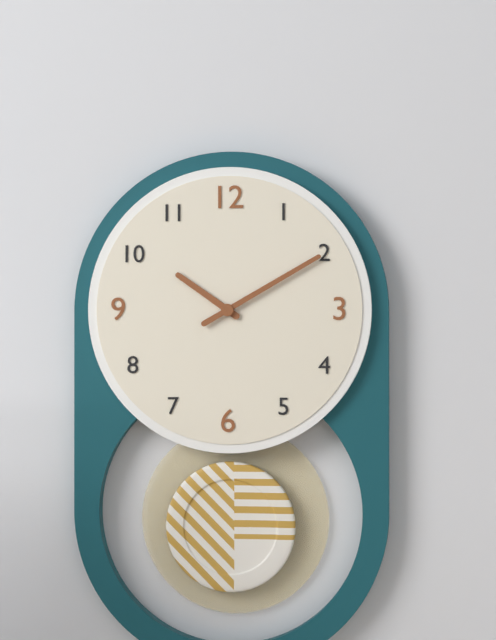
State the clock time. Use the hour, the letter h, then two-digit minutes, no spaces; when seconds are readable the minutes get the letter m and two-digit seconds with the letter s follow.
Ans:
10h10
